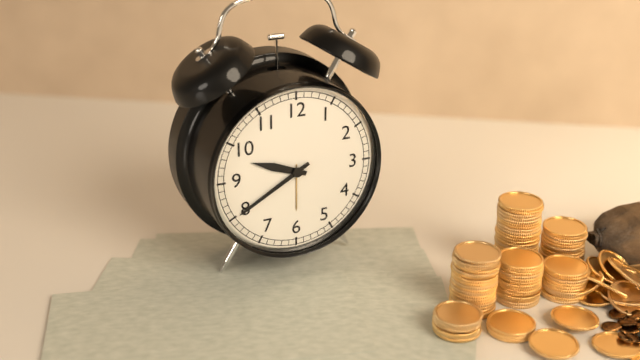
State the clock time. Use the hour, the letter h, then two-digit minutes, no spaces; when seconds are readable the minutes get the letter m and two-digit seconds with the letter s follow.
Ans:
9h40
